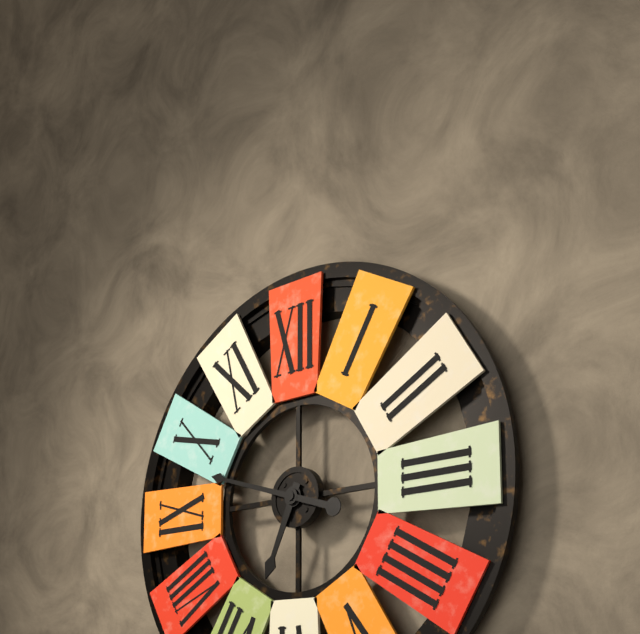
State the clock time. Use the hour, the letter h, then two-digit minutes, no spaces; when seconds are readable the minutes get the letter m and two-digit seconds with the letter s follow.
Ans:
6h48
